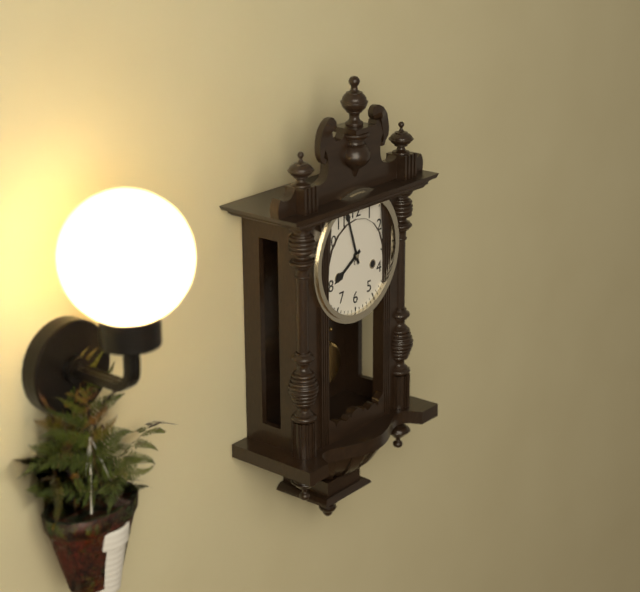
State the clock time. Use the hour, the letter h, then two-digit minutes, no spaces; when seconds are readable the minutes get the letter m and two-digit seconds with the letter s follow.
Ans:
7h57
